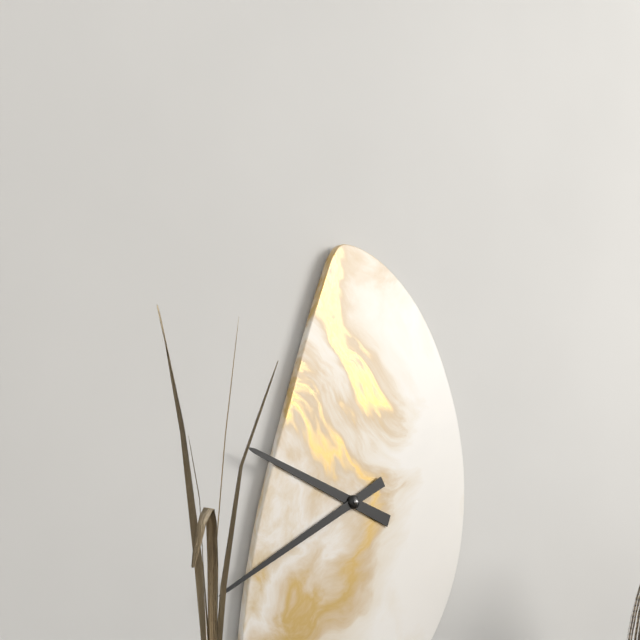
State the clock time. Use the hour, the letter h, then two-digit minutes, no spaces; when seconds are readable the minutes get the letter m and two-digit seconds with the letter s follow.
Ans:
9h40
